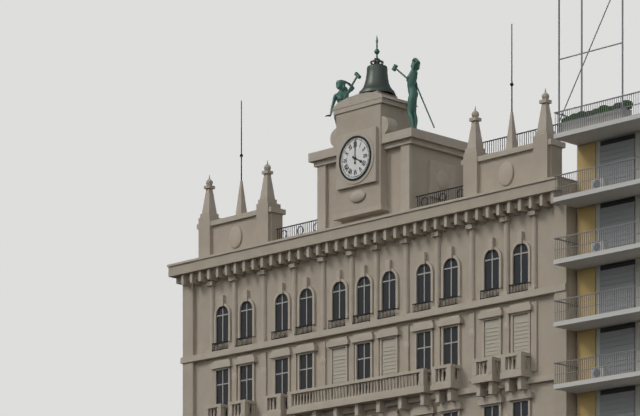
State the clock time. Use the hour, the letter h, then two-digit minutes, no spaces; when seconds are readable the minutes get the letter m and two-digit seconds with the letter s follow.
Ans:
4h00
